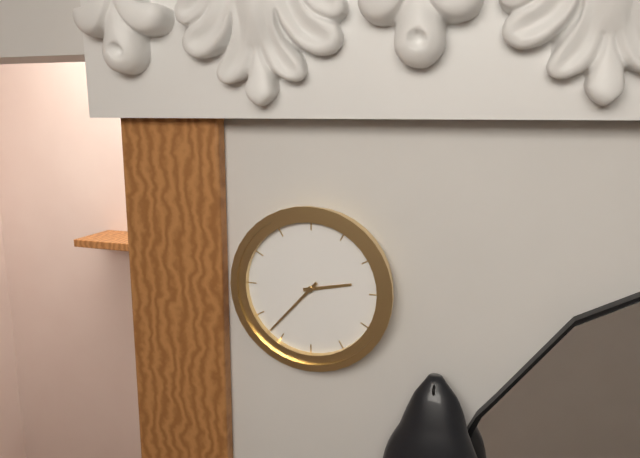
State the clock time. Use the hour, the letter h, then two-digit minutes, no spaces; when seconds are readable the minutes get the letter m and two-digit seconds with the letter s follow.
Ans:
2h37
